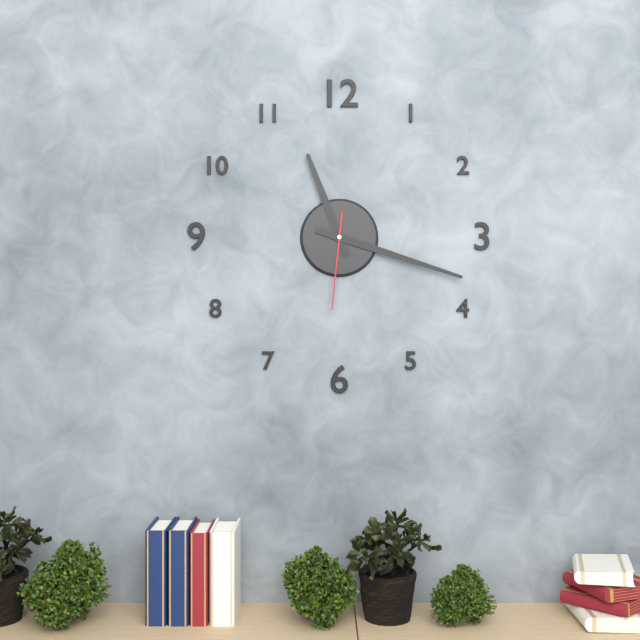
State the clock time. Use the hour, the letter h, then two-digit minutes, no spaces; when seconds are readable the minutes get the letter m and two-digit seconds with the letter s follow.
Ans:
11h18m31s
